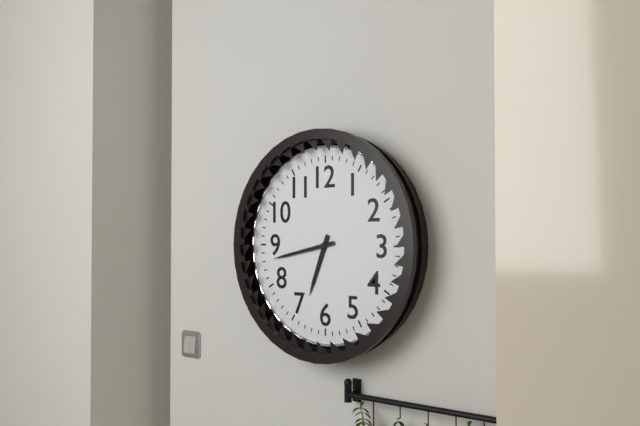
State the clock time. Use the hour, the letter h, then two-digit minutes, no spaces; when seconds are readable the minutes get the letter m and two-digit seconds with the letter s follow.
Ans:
6h43
